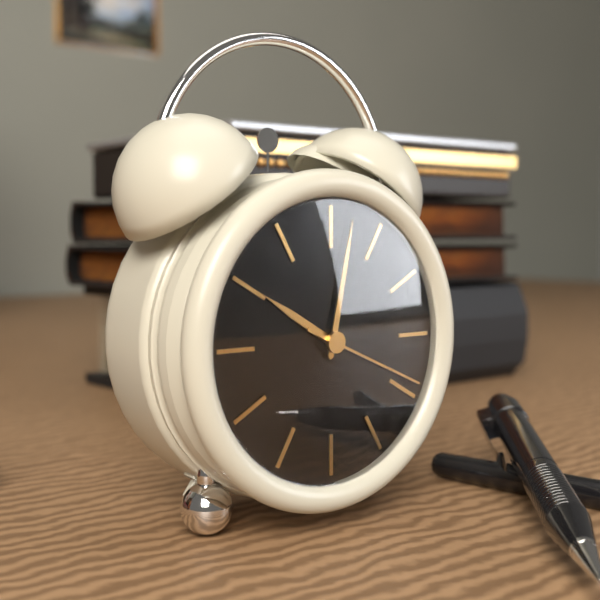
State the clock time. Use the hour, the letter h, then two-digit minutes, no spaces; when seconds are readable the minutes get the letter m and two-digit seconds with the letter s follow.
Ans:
10h02m19s
